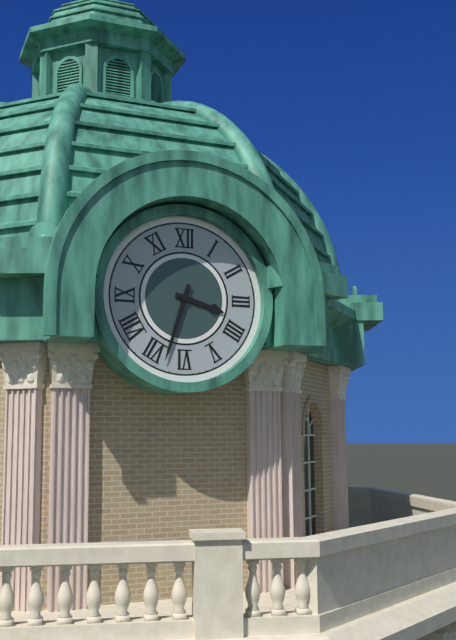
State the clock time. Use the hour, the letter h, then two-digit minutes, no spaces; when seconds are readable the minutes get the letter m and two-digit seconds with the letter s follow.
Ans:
3h33
